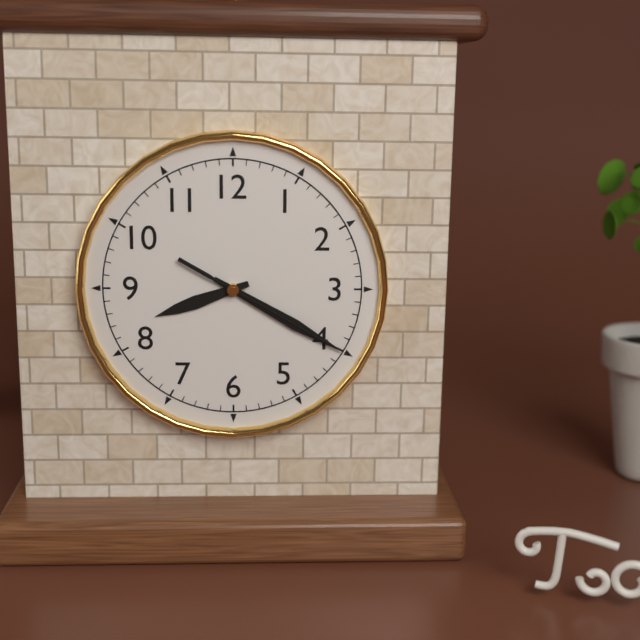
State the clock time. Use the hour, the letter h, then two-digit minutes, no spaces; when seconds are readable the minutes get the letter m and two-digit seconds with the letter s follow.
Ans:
8h20m20s
